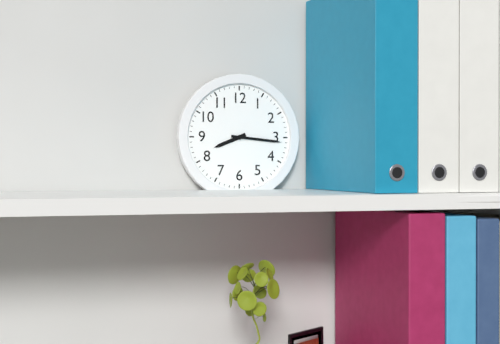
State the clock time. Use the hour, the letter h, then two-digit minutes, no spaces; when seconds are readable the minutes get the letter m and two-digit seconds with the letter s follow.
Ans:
8h16
